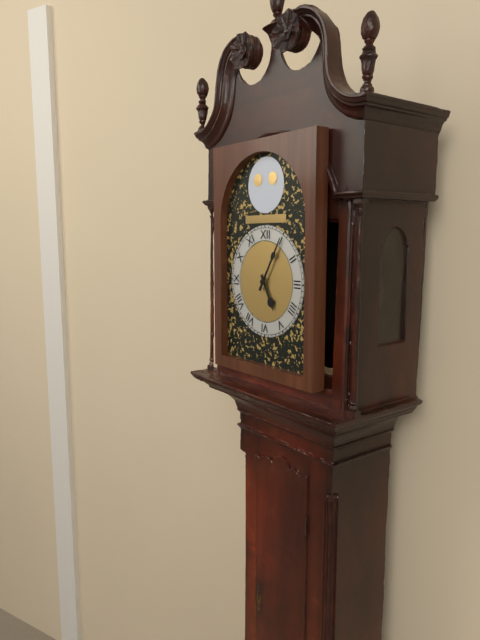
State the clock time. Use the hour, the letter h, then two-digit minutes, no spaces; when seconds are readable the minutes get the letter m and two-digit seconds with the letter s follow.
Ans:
5h05
